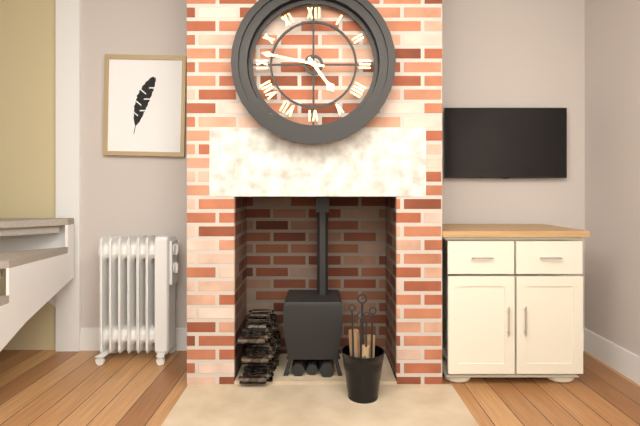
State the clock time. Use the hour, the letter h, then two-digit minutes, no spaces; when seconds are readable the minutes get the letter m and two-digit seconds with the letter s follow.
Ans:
4h47
